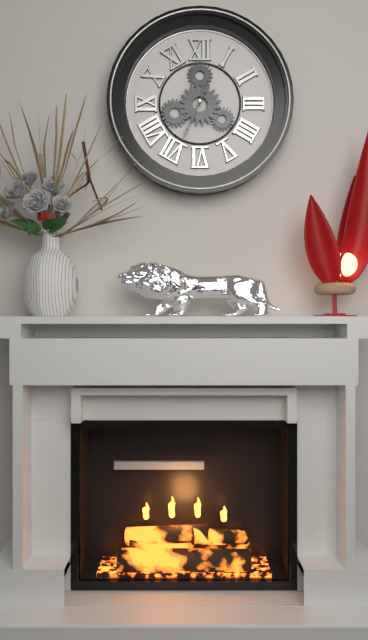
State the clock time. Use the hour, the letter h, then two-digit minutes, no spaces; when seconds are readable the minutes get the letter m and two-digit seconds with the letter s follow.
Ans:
12h34
